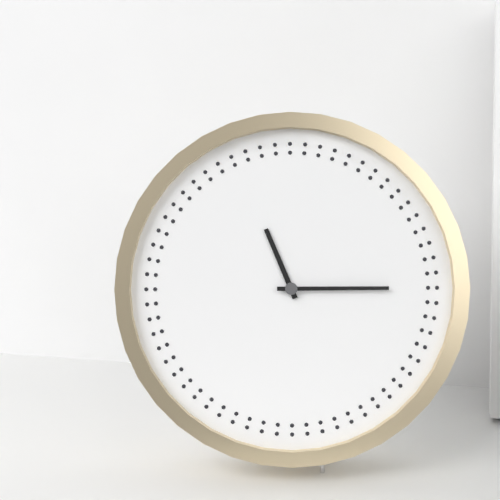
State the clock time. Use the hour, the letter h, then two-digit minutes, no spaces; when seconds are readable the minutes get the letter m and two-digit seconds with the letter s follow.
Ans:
11h15
